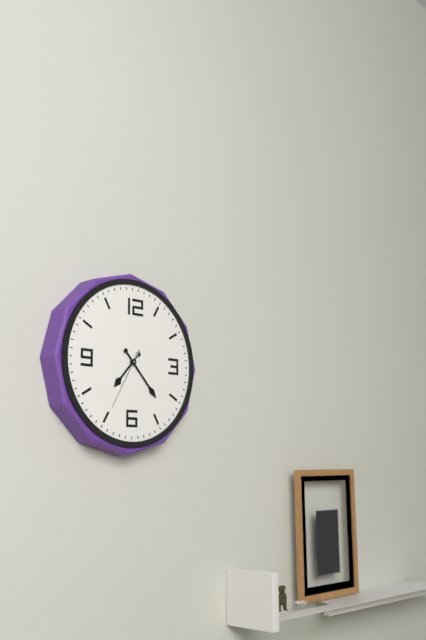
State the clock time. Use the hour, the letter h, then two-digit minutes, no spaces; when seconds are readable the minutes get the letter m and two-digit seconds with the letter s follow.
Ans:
7h23m35s
